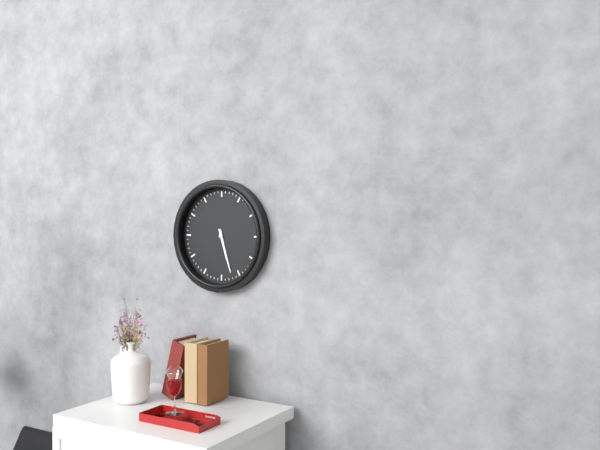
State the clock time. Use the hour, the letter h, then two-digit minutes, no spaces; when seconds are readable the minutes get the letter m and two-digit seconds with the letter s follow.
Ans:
5h27
